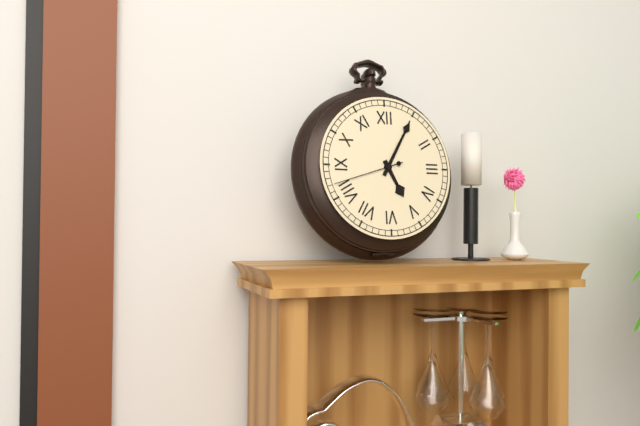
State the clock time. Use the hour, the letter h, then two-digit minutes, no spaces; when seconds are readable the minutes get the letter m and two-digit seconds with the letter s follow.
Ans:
5h05m42s
